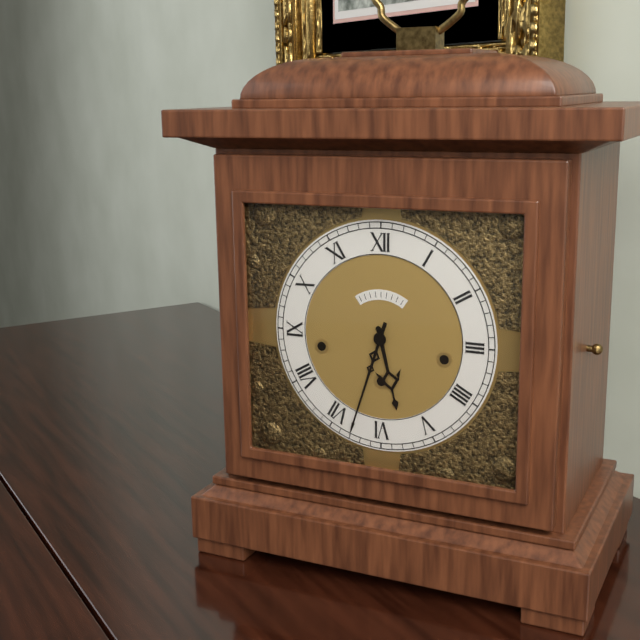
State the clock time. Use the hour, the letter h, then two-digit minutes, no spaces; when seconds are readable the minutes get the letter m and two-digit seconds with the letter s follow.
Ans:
5h33
